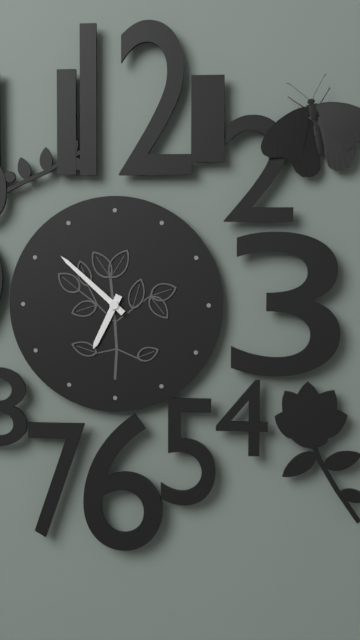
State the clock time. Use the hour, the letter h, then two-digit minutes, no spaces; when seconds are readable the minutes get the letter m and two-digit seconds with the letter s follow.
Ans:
6h52
